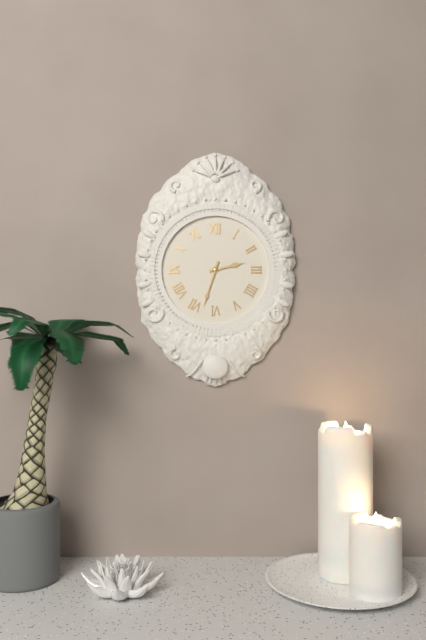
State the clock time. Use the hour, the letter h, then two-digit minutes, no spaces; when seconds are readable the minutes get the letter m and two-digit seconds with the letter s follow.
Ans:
2h33
